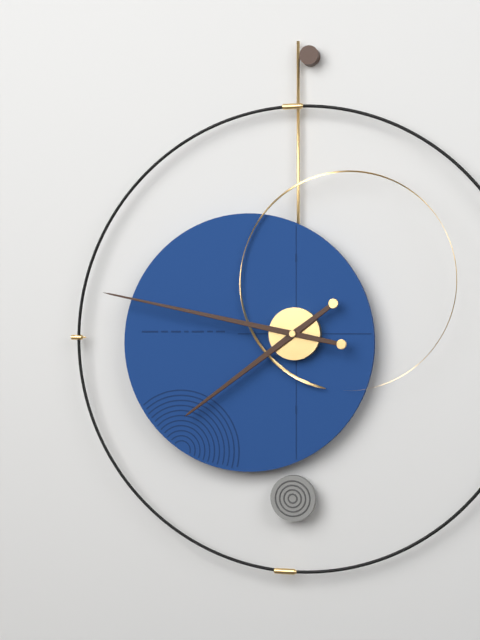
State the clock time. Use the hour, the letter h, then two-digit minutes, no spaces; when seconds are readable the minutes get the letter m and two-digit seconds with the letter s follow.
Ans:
7h47
